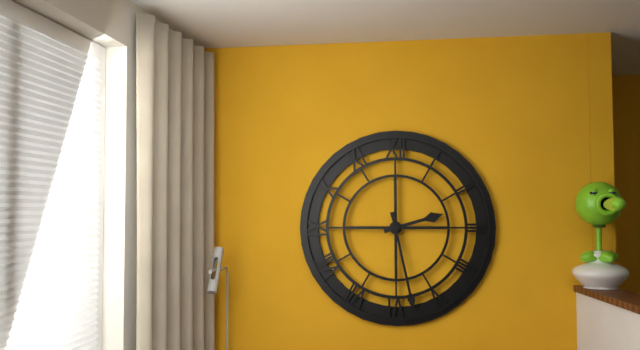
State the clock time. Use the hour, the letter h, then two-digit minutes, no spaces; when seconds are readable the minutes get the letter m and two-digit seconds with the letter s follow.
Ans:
2h28
